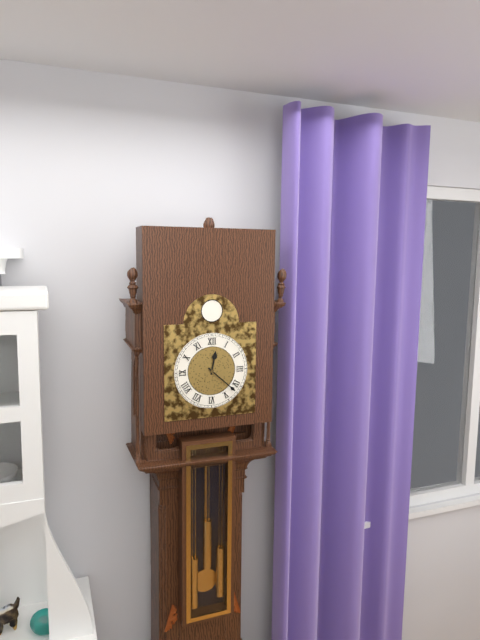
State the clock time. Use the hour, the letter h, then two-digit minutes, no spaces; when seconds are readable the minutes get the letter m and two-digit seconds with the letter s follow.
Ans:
12h22
